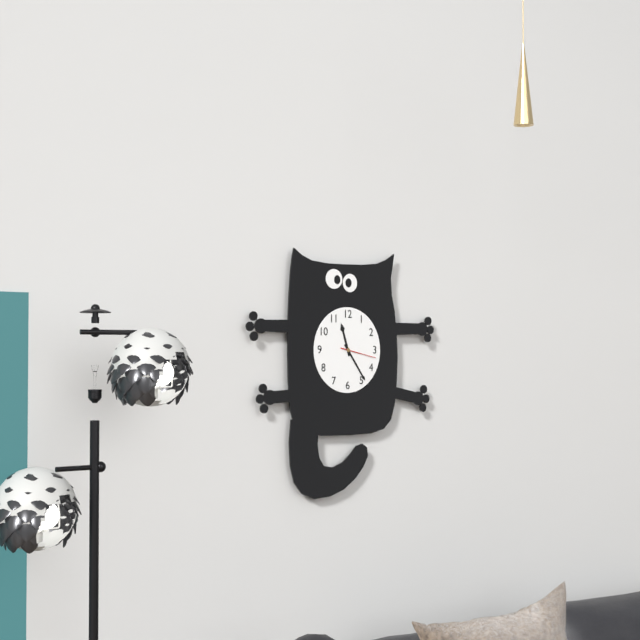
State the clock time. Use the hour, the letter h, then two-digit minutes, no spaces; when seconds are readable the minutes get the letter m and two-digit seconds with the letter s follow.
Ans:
11h24
